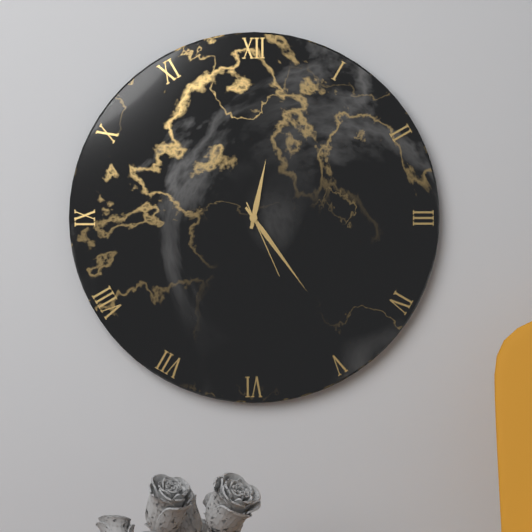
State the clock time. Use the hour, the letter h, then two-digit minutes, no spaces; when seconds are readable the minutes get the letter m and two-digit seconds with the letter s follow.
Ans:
12h24m26s
